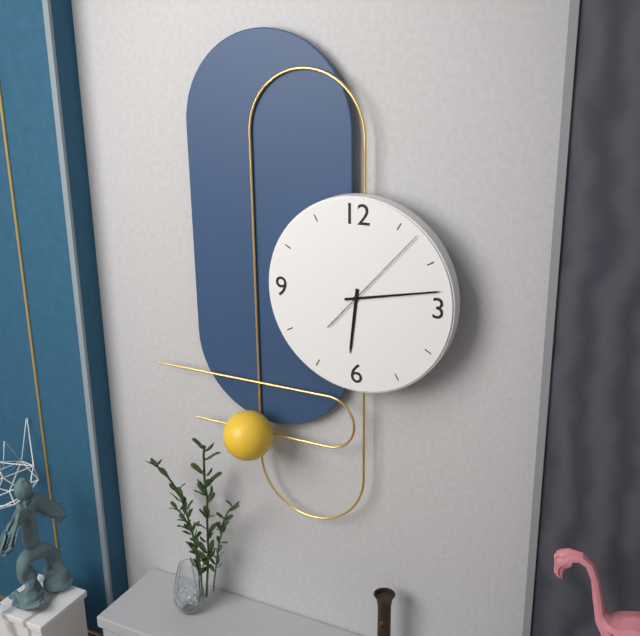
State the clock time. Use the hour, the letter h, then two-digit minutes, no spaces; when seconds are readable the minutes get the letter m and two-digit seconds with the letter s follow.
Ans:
6h13m07s
